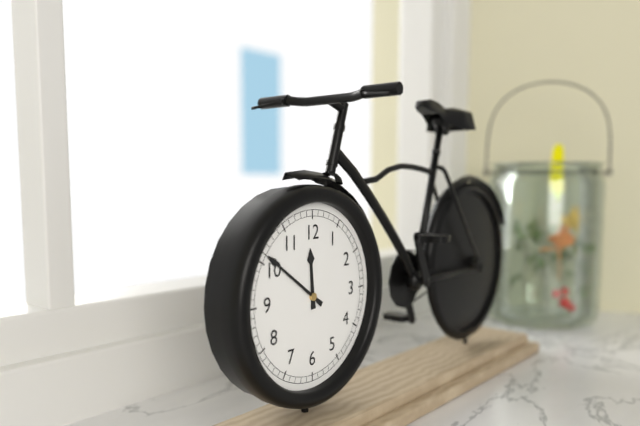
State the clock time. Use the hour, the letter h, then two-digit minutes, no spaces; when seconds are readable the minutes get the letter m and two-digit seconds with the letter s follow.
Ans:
11h51
